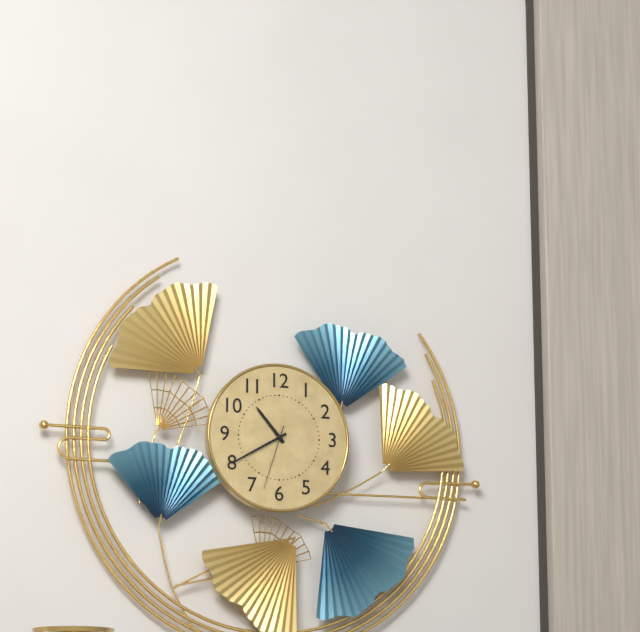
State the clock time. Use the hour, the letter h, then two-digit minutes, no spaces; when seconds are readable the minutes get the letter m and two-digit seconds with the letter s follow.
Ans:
10h40m33s
